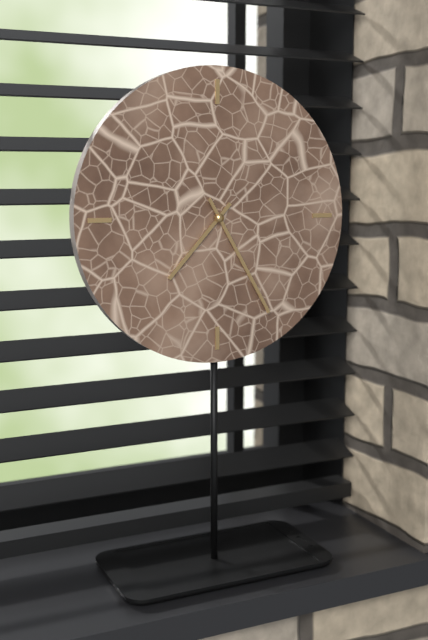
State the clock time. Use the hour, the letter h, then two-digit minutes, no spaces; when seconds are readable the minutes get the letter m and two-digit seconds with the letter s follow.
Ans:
7h25
